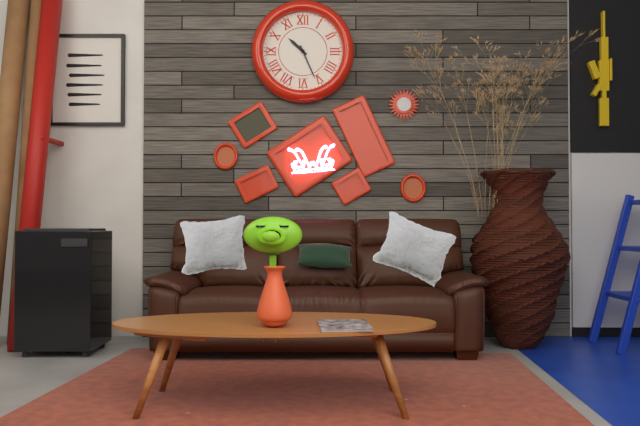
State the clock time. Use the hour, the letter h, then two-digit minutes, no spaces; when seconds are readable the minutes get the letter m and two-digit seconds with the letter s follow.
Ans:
10h26
